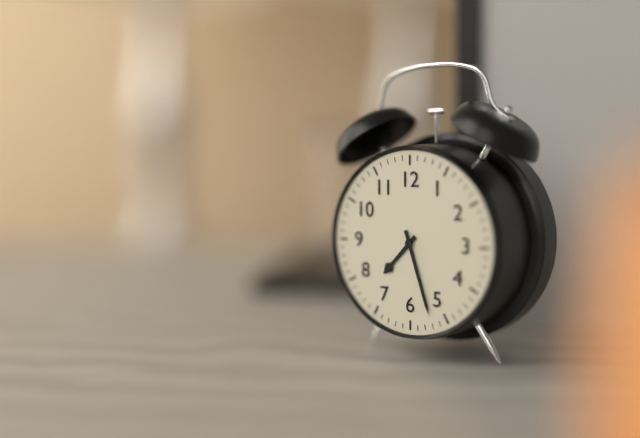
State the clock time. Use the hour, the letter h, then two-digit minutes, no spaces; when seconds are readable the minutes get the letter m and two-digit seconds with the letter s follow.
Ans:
7h27
